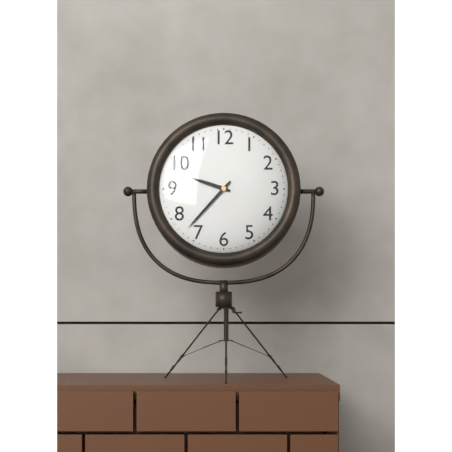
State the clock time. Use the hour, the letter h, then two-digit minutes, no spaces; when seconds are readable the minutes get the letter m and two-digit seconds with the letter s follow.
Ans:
9h37
